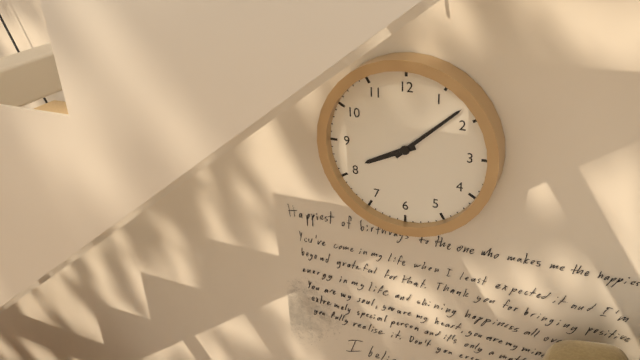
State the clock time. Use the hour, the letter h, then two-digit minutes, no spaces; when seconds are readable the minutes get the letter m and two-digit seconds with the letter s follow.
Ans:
8h08
